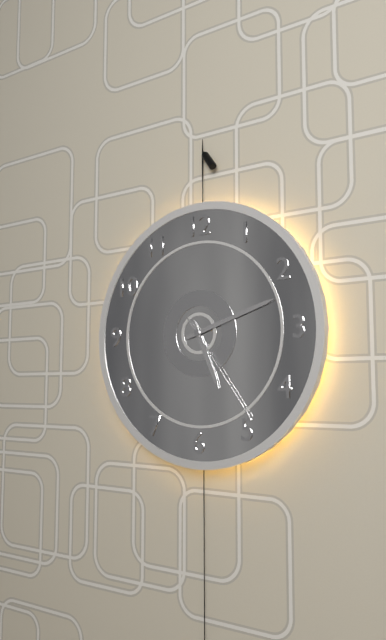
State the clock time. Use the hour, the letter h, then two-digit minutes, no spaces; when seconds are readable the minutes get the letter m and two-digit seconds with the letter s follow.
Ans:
5h12m24s
